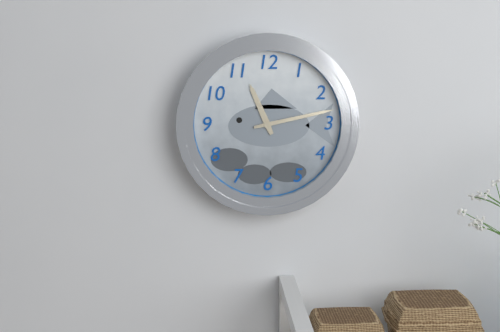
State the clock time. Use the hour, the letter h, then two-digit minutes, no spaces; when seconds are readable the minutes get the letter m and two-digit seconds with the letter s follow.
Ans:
11h13
